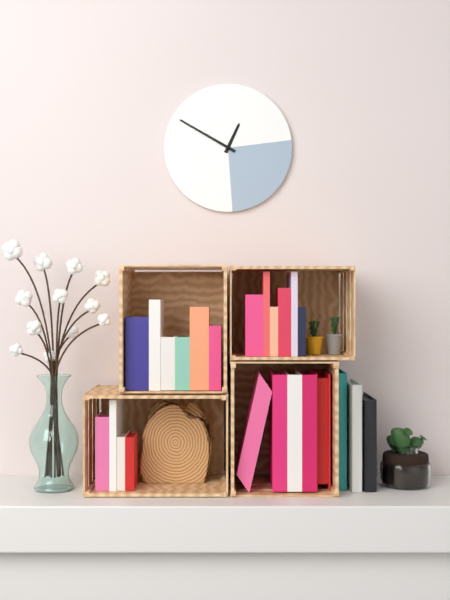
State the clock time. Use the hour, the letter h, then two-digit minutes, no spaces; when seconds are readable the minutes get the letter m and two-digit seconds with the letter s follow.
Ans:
12h50
